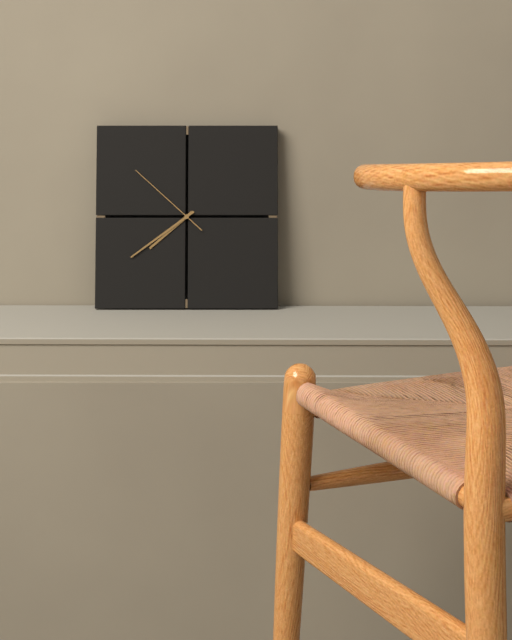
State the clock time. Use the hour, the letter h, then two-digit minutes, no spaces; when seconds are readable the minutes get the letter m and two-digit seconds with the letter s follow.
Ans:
7h39m52s
